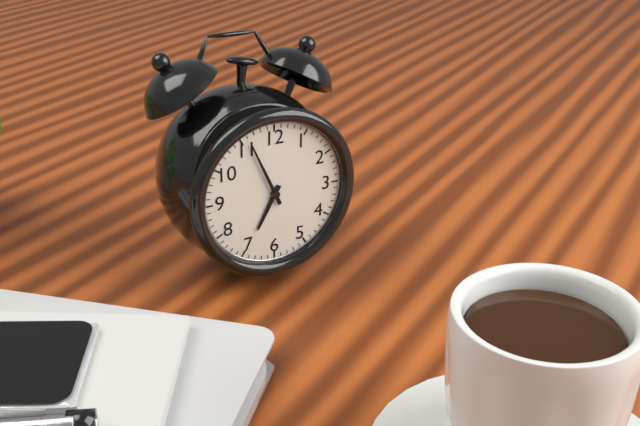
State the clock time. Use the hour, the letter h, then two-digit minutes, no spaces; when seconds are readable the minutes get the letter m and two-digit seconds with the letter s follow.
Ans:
6h56
